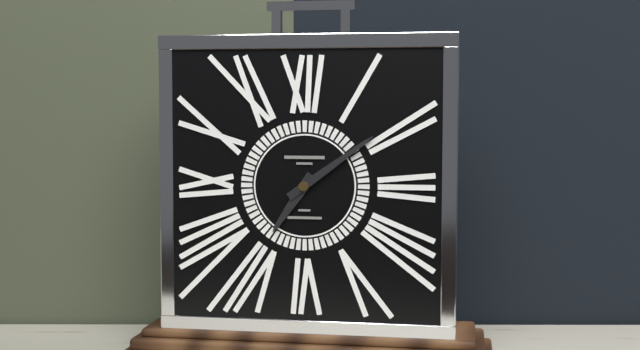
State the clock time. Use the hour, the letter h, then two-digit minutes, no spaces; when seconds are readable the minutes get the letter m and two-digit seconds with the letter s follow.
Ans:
7h09
